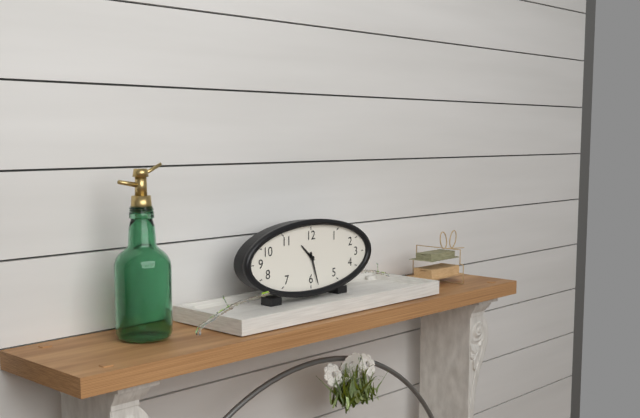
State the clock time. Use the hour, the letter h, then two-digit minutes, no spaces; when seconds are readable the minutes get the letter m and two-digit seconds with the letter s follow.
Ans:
10h27
